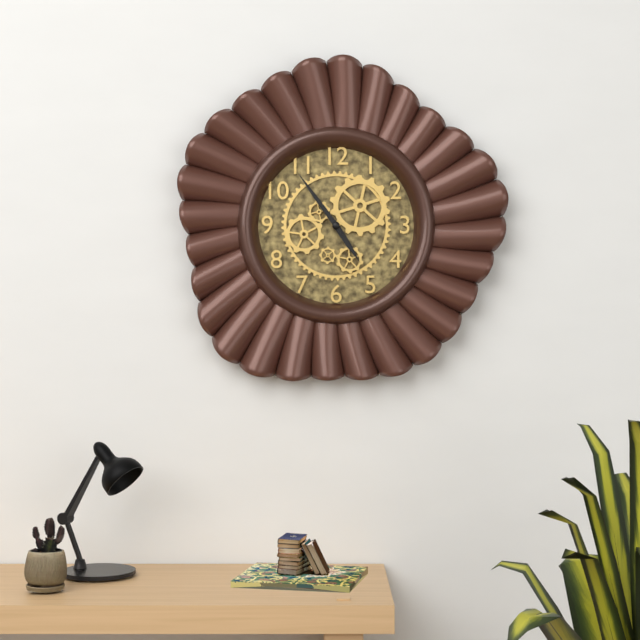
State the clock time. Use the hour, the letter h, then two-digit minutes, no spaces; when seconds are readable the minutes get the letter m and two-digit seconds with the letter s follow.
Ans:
4h54
